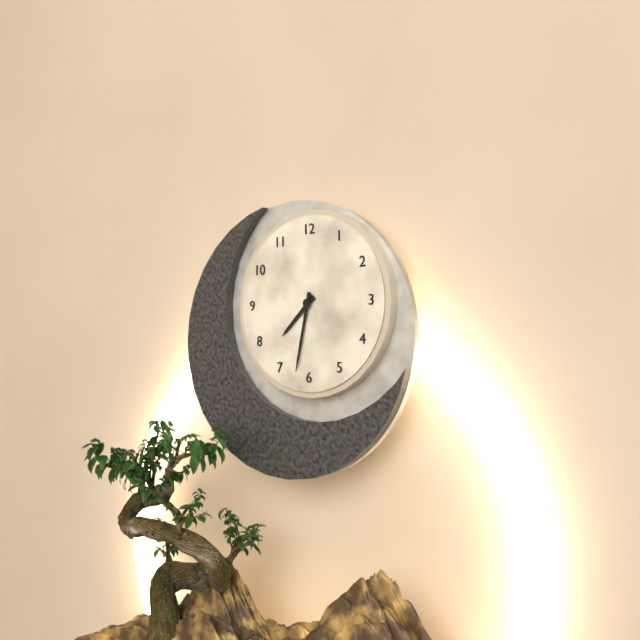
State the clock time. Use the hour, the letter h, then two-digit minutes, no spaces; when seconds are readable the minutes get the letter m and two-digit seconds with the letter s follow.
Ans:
7h32
